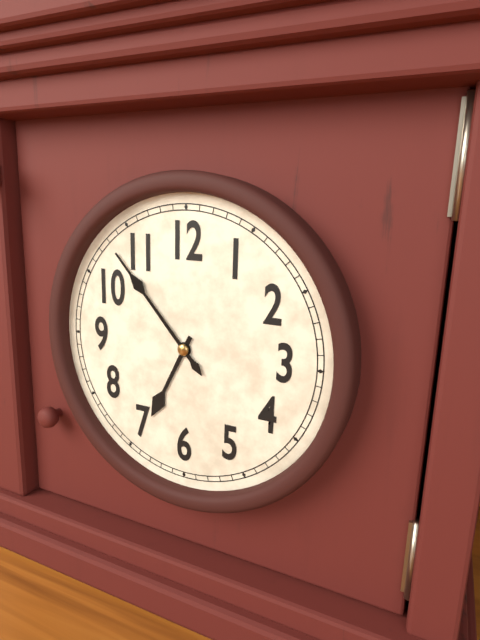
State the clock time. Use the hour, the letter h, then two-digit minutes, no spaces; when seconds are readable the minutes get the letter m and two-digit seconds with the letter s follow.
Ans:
6h53
